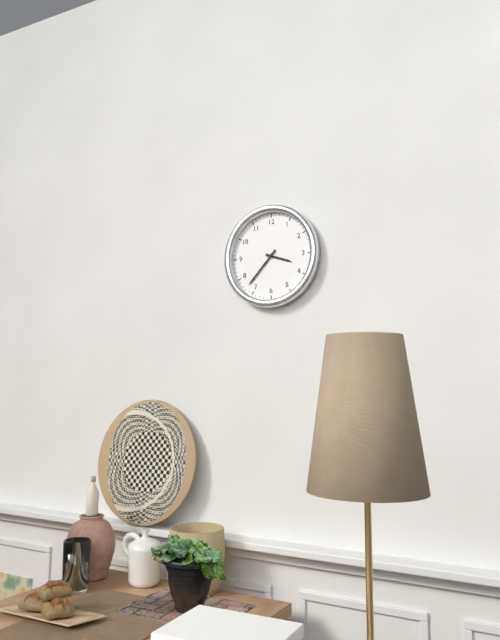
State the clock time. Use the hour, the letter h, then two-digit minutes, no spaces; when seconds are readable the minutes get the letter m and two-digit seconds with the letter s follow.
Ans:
3h37
